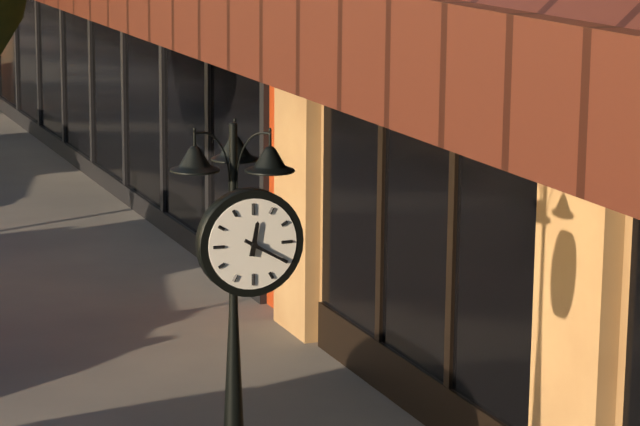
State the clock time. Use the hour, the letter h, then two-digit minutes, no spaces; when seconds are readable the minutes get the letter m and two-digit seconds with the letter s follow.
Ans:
12h20
